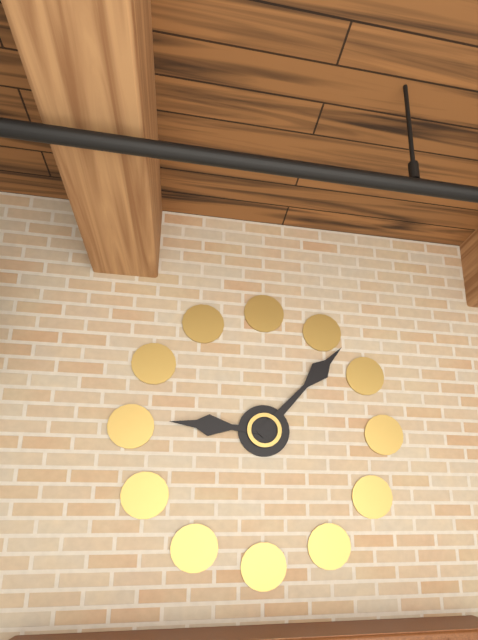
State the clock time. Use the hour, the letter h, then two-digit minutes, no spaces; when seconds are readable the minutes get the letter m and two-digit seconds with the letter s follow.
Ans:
9h07
